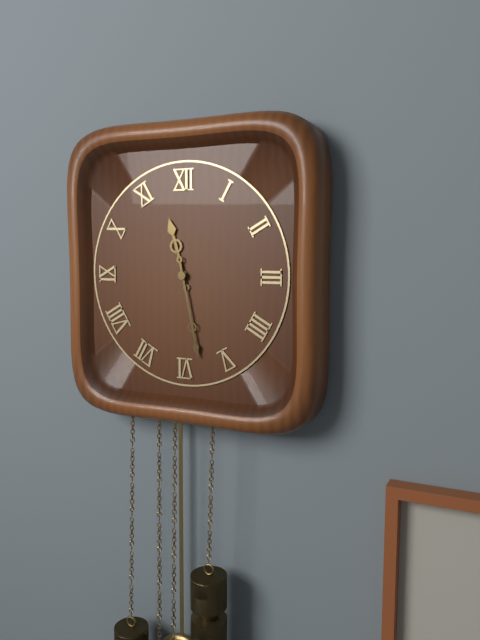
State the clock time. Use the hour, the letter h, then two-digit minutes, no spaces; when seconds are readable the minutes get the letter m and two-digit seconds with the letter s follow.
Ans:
11h28
